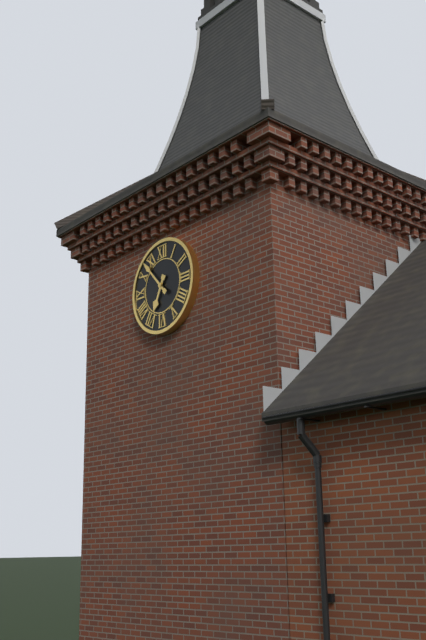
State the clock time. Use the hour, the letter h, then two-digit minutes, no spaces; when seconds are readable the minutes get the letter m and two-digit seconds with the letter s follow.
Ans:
6h53
